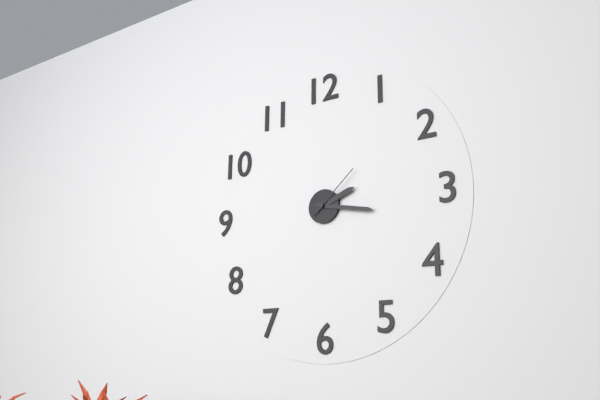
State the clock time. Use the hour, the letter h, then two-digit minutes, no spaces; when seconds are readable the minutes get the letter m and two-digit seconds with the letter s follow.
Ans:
2h17m08s
